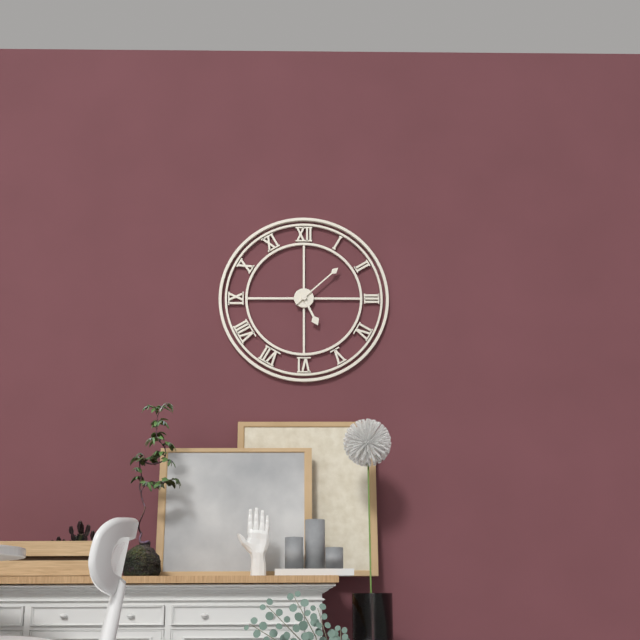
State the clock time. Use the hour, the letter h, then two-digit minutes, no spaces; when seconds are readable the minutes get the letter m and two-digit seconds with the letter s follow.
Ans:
5h08
